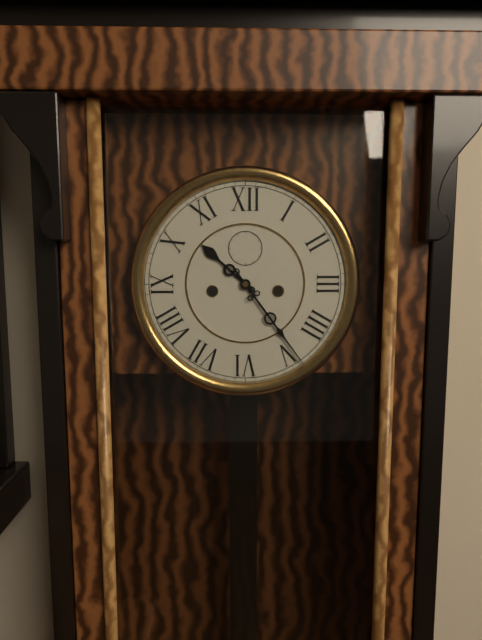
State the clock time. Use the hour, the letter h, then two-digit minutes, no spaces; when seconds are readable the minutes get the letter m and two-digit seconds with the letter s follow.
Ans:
10h24
